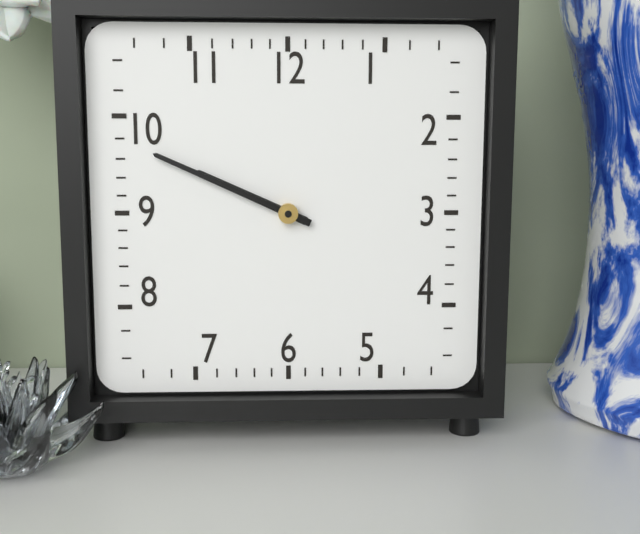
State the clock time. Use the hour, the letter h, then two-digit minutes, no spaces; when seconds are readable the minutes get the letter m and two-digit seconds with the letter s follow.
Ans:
9h49
